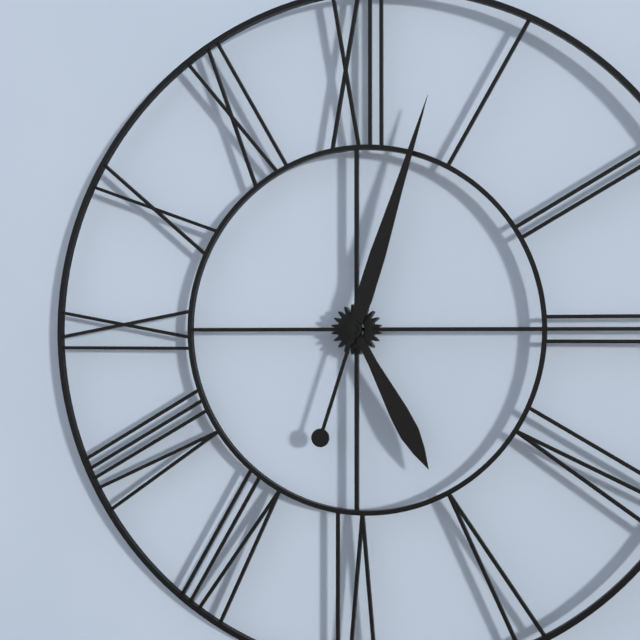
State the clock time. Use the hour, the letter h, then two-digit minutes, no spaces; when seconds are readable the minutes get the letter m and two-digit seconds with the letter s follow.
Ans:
5h03
